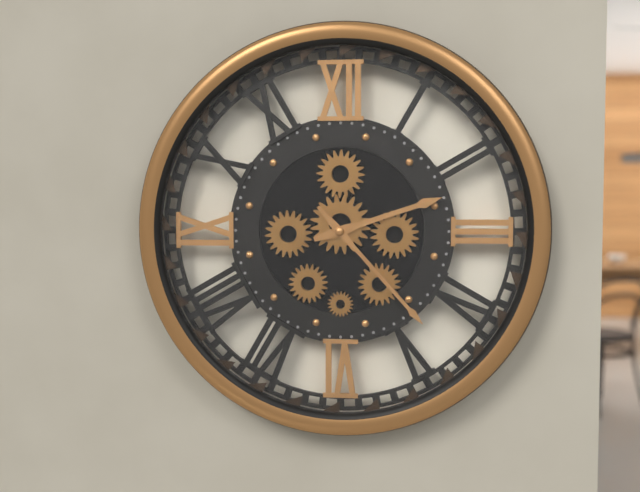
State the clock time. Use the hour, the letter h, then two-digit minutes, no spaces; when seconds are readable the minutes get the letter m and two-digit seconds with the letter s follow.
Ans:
2h23
